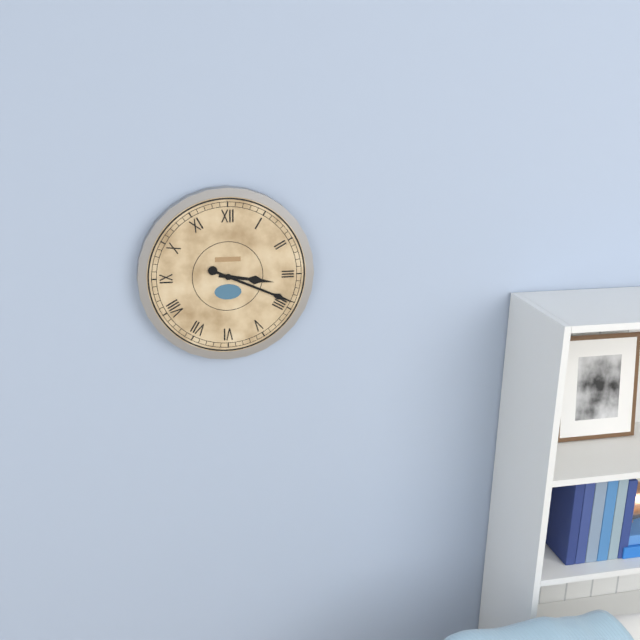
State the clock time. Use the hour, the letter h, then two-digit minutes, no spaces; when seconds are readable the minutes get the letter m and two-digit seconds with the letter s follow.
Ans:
3h19
